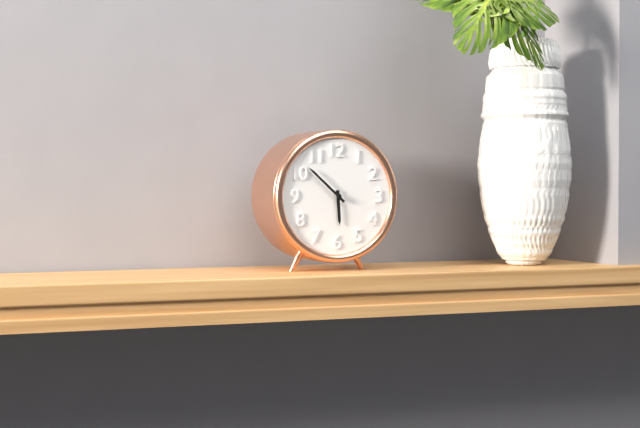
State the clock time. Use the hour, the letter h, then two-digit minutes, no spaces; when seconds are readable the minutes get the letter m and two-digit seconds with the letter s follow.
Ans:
5h52
